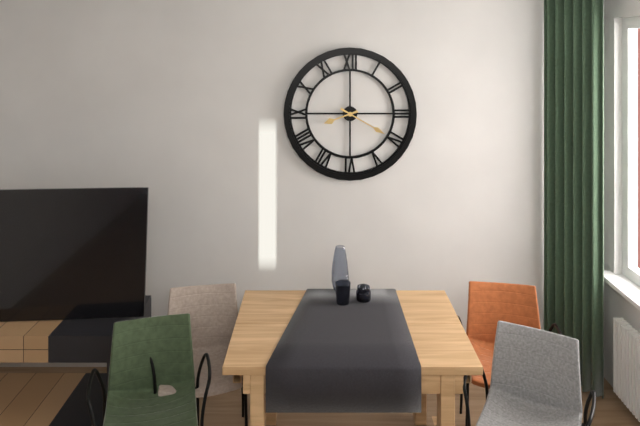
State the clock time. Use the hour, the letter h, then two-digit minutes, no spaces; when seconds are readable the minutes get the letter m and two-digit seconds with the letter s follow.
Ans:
8h20
